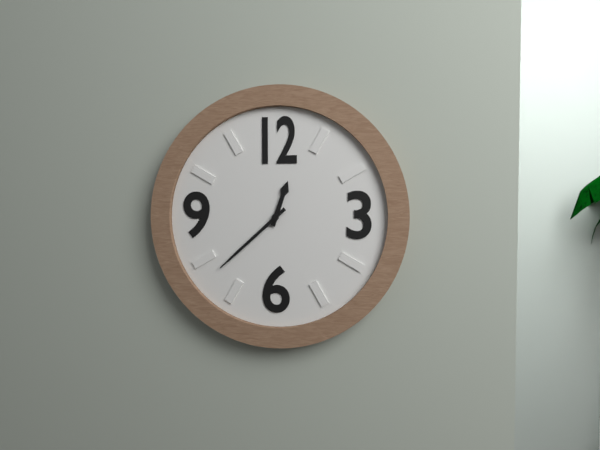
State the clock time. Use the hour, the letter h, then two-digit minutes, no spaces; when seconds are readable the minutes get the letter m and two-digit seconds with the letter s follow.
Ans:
12h38
